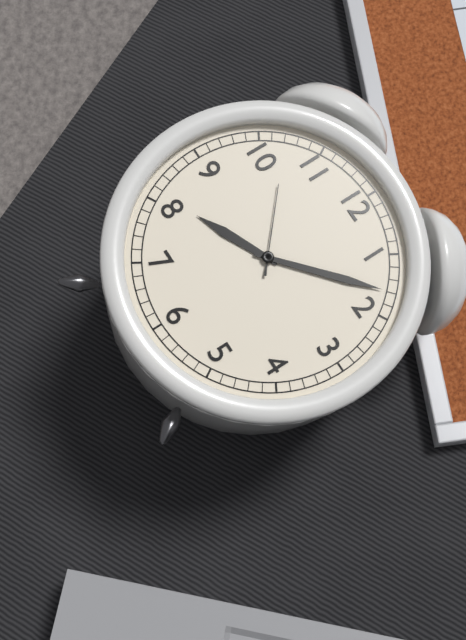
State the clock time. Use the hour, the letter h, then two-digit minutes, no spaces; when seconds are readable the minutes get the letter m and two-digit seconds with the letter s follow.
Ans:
8h08m52s
